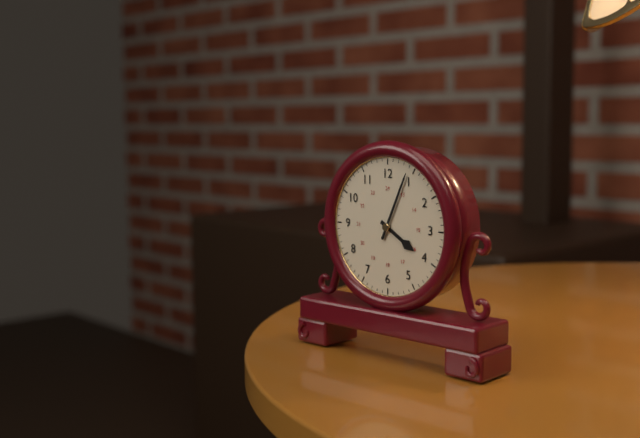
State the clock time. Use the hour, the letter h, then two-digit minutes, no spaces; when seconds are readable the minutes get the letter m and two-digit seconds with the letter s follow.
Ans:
4h04
